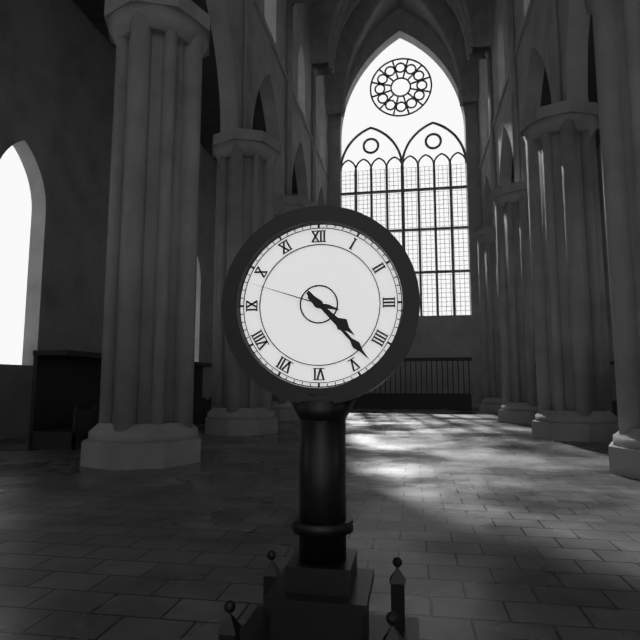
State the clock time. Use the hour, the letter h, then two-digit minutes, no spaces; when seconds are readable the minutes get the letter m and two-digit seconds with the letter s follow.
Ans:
4h23m48s
